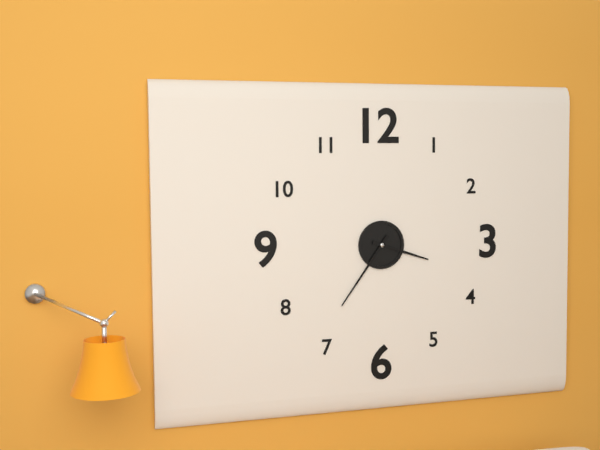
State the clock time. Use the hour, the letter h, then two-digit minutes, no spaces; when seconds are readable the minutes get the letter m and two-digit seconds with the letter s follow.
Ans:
3h36
